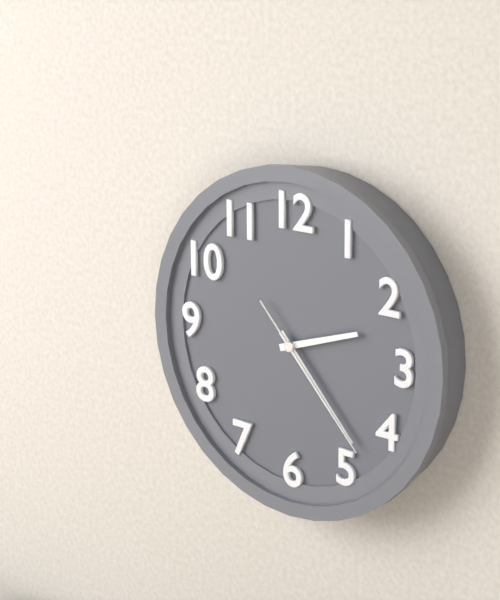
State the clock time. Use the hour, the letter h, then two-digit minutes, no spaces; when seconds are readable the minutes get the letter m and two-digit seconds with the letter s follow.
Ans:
2h23m23s
